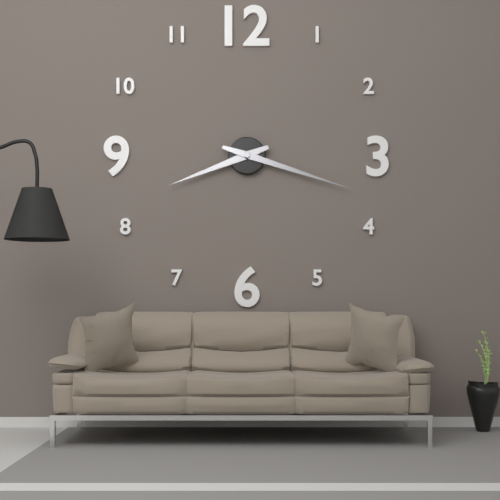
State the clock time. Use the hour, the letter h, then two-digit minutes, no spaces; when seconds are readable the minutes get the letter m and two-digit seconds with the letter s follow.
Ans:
8h18
